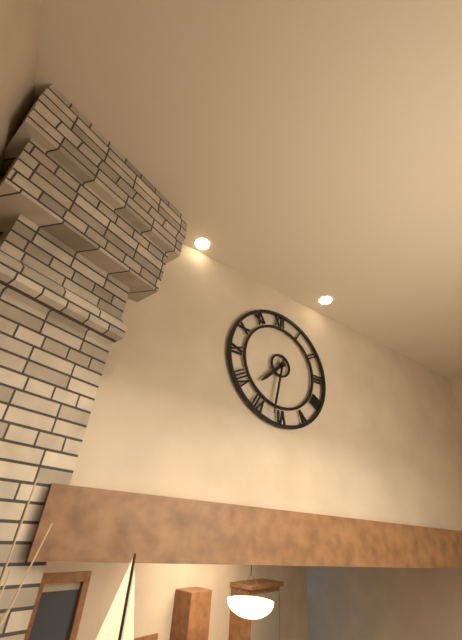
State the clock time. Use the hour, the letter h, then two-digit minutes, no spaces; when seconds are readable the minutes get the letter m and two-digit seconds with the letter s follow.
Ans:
7h32
